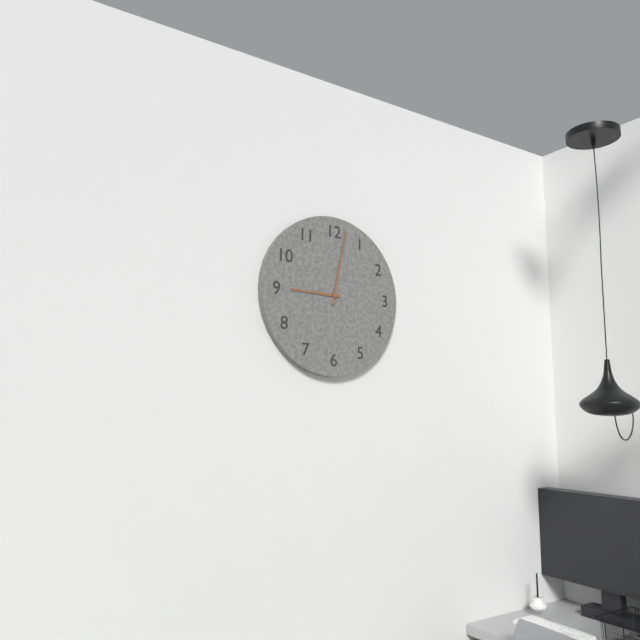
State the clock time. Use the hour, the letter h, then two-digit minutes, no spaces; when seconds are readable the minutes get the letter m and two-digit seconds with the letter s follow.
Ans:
9h02
